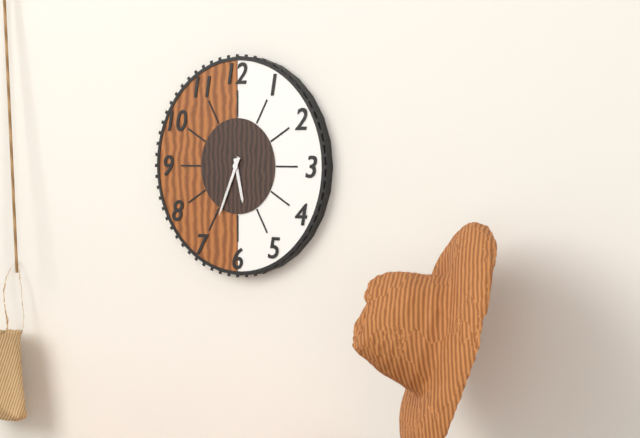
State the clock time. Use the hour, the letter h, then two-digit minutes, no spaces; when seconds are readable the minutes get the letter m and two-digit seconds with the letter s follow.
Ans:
5h34
